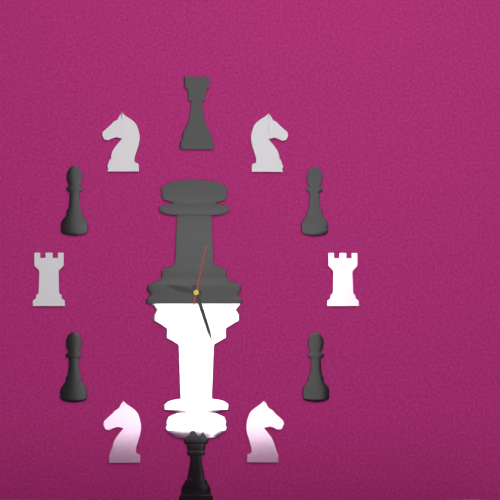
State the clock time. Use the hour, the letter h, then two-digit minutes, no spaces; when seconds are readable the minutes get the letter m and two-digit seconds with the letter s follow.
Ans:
9h27m02s
